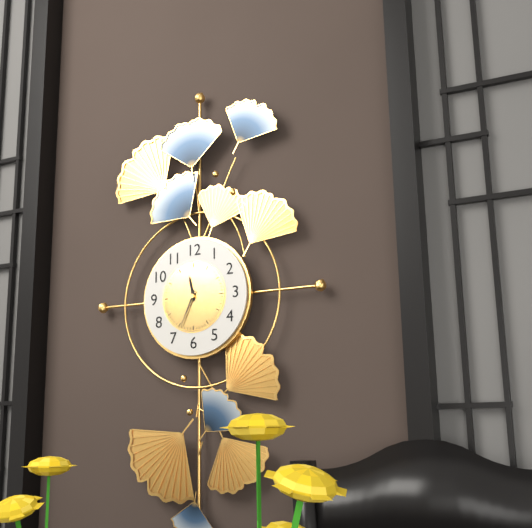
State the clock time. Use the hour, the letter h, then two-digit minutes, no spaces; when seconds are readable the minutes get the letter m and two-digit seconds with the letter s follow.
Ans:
11h34
